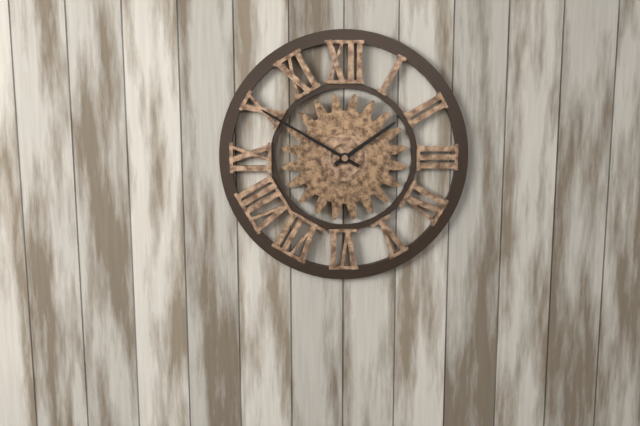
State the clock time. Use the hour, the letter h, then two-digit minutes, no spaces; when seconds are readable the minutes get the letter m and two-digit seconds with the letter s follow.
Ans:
1h50
